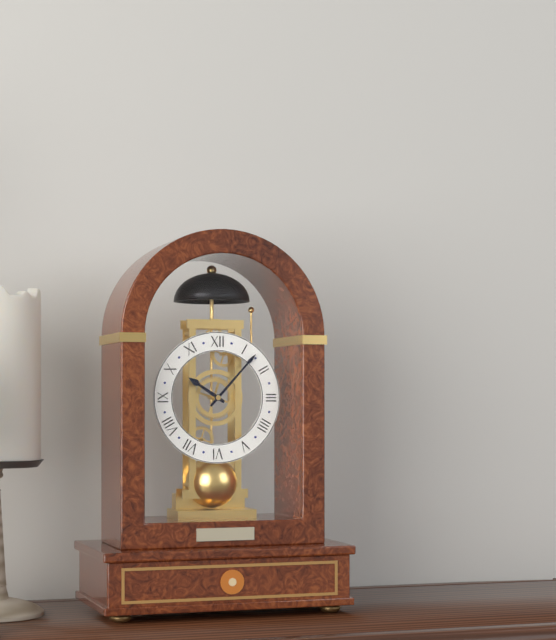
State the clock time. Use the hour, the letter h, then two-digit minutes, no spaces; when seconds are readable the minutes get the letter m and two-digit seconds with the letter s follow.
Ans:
10h07
